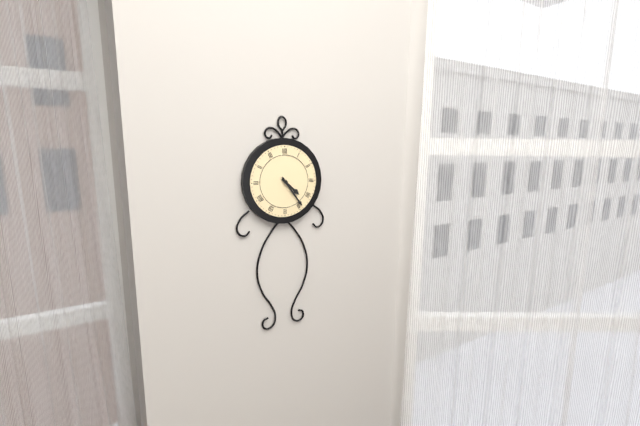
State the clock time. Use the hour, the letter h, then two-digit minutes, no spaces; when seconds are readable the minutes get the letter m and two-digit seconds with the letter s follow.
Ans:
4h24
